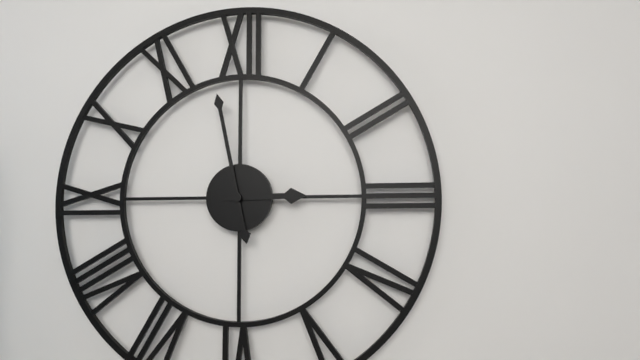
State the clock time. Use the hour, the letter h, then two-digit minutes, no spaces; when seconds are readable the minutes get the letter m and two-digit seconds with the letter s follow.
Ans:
2h58
